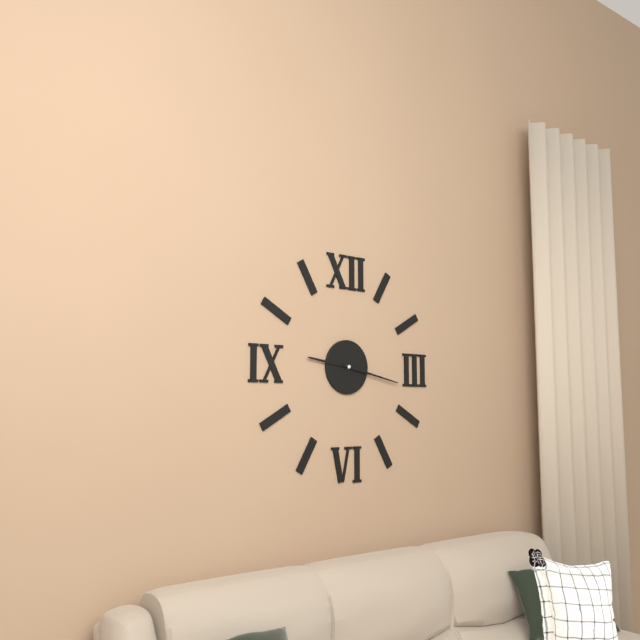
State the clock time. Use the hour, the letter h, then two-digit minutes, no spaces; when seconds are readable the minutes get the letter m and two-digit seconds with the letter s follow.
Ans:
9h17
